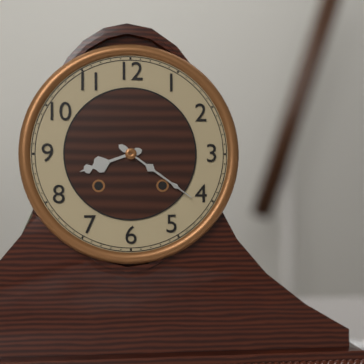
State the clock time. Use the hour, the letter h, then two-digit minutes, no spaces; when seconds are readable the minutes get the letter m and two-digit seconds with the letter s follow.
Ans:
8h21
